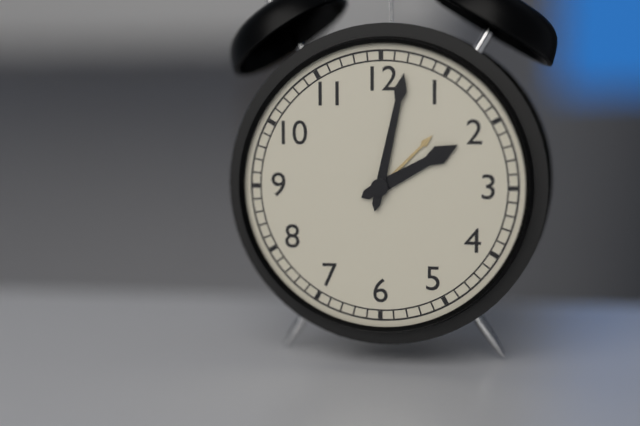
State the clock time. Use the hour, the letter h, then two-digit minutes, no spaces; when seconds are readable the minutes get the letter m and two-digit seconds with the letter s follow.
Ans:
2h02
